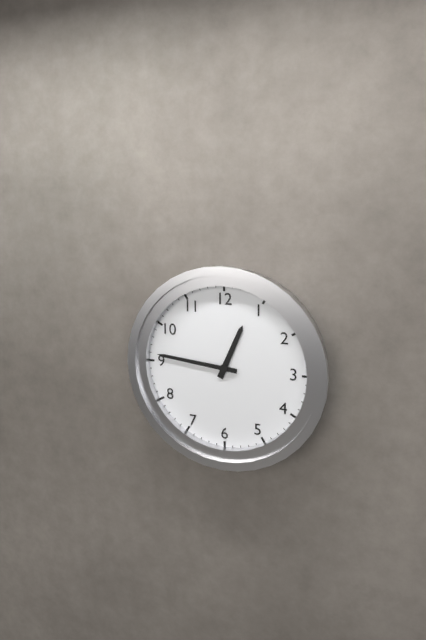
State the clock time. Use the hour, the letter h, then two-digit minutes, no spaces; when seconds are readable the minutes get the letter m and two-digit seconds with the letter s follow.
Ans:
12h46
